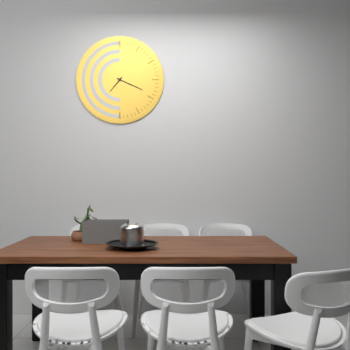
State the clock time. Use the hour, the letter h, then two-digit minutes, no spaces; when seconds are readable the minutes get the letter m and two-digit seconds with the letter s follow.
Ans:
7h19
